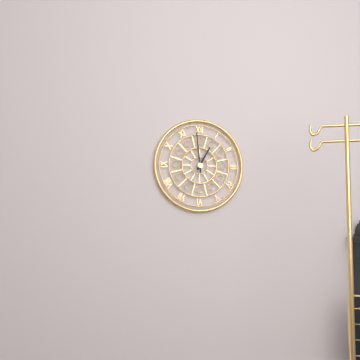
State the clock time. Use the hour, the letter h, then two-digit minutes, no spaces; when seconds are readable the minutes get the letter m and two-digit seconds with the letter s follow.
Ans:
12h59
